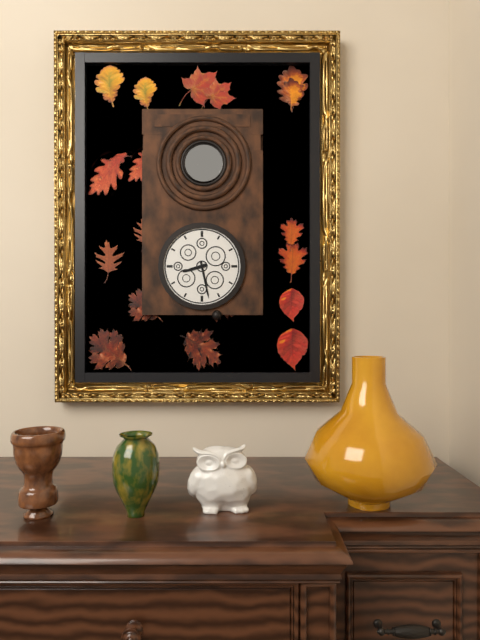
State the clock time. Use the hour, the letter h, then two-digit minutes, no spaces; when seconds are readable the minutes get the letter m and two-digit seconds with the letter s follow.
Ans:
8h28
